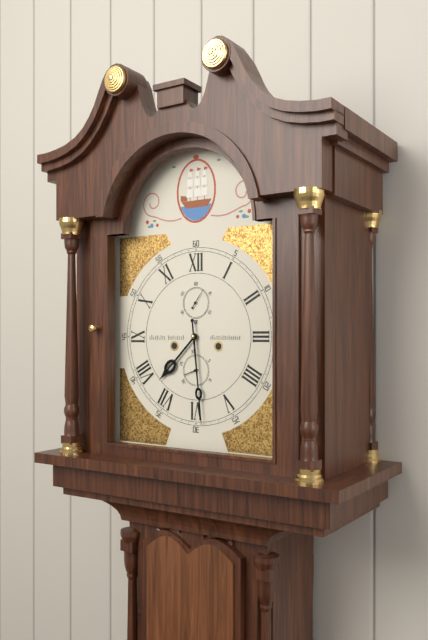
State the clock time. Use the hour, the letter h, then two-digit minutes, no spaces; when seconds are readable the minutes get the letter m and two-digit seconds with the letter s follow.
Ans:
7h29
